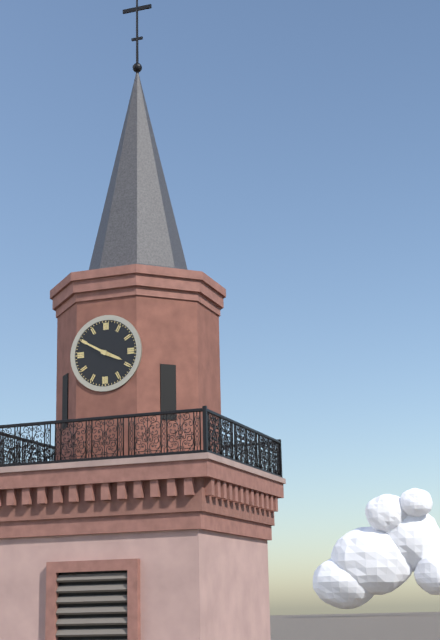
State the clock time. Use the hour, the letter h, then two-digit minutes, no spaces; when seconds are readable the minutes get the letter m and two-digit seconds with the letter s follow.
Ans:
3h50
